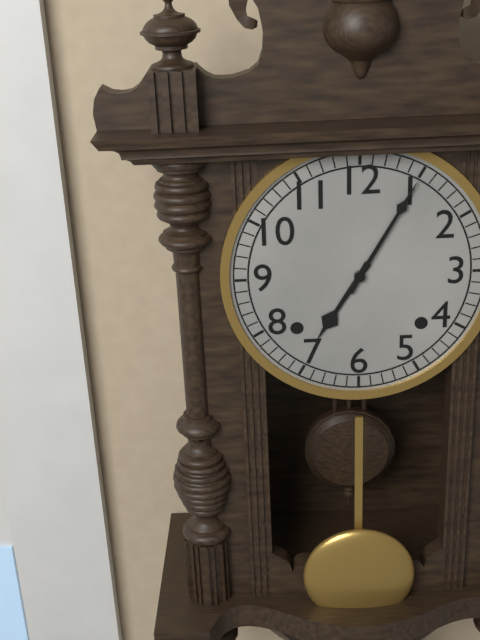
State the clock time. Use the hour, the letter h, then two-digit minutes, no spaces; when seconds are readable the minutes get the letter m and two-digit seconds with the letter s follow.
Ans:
7h05
